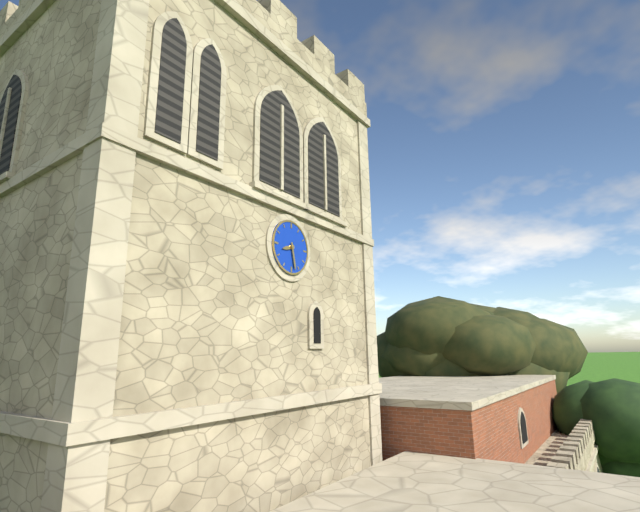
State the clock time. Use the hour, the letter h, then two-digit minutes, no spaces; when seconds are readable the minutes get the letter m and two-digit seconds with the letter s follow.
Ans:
8h28
